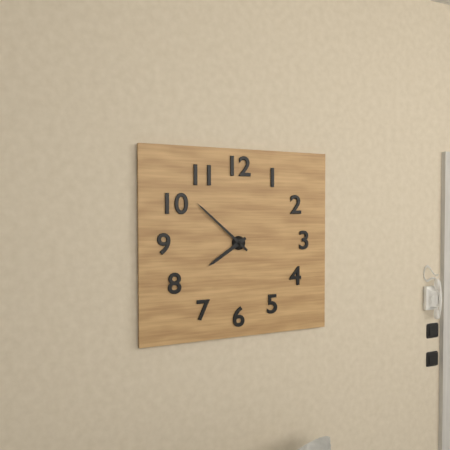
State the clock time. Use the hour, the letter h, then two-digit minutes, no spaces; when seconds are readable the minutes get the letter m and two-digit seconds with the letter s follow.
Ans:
7h52
